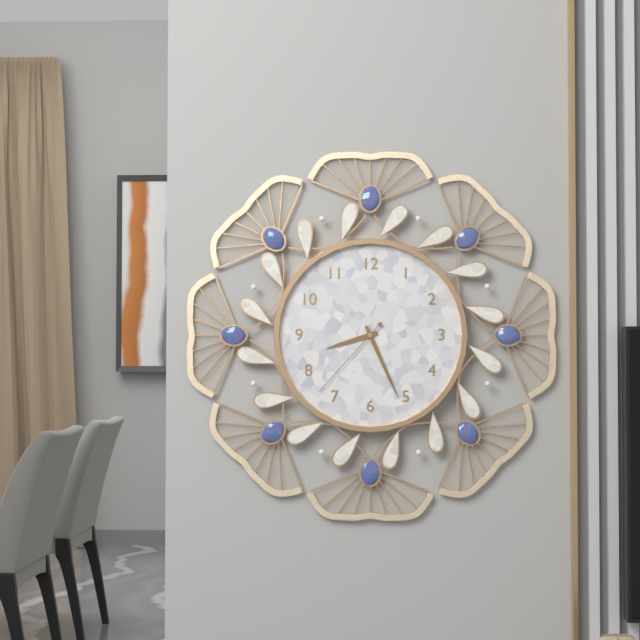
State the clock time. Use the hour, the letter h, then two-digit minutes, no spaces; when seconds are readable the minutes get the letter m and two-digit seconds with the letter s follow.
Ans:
8h26m37s
